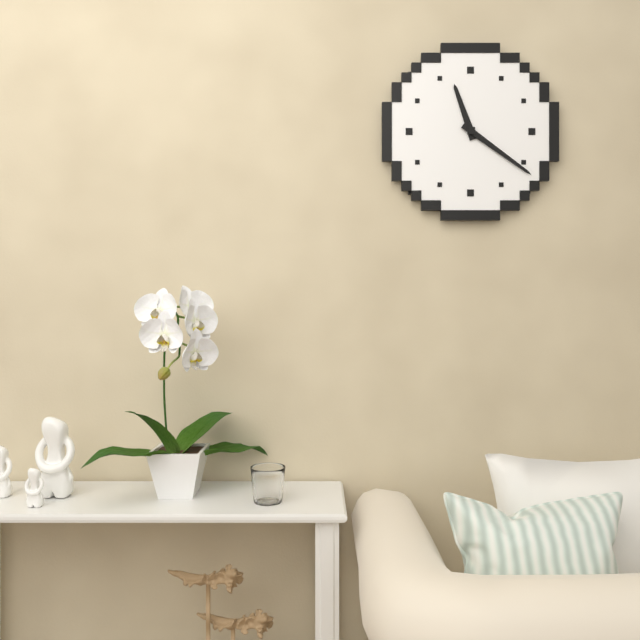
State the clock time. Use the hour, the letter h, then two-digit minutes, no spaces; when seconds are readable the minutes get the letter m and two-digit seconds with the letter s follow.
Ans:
11h21
